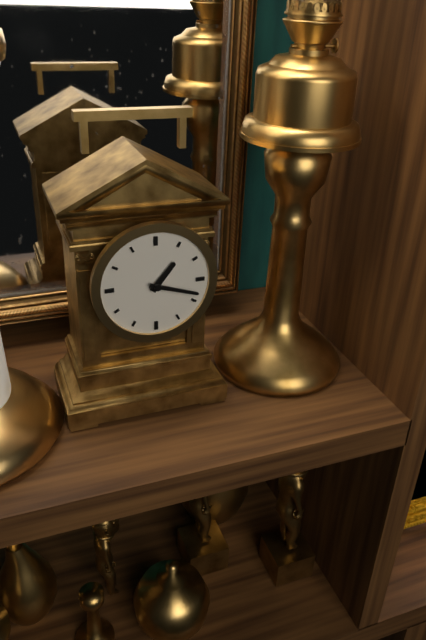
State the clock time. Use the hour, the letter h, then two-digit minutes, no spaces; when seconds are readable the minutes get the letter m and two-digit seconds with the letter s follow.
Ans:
1h18
